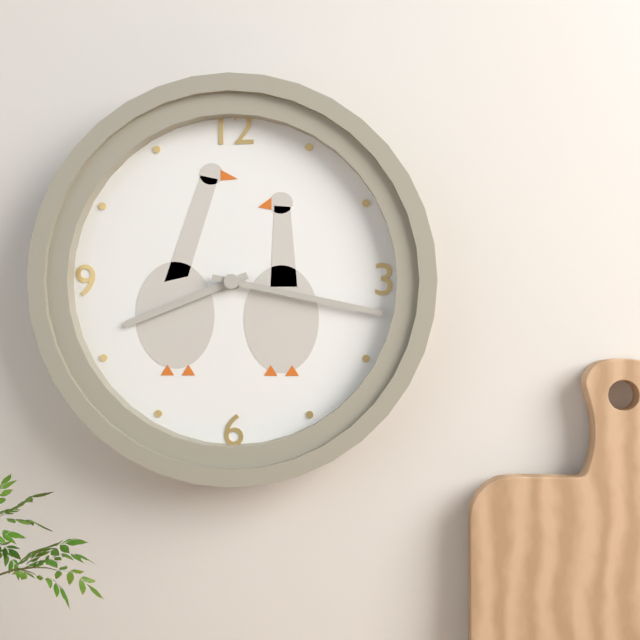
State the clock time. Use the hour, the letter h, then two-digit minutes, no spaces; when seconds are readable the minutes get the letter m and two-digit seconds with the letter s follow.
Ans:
8h17
